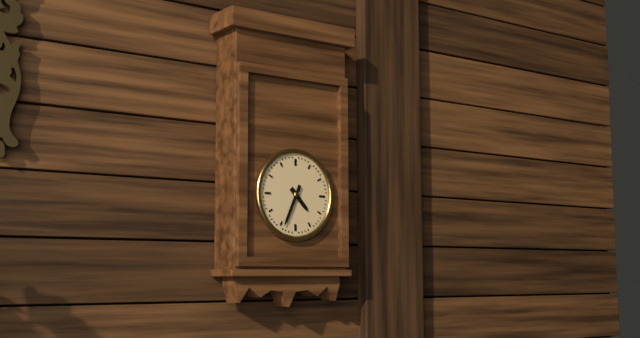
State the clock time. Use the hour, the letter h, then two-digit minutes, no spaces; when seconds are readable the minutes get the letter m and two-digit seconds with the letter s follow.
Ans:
4h34
